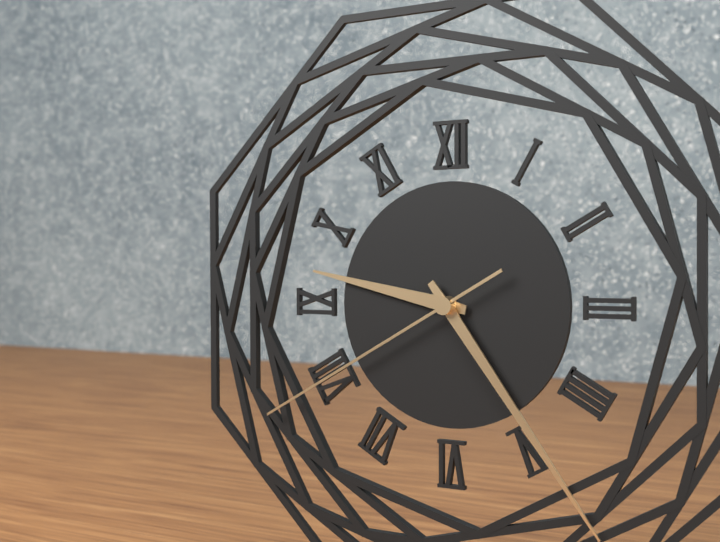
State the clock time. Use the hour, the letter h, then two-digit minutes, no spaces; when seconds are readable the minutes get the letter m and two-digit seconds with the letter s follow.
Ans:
9h24m40s
